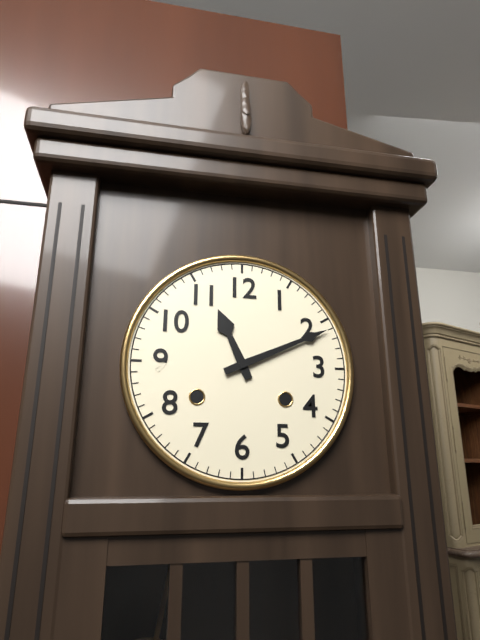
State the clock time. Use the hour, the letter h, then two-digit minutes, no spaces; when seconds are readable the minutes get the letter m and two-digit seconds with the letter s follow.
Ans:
11h11
